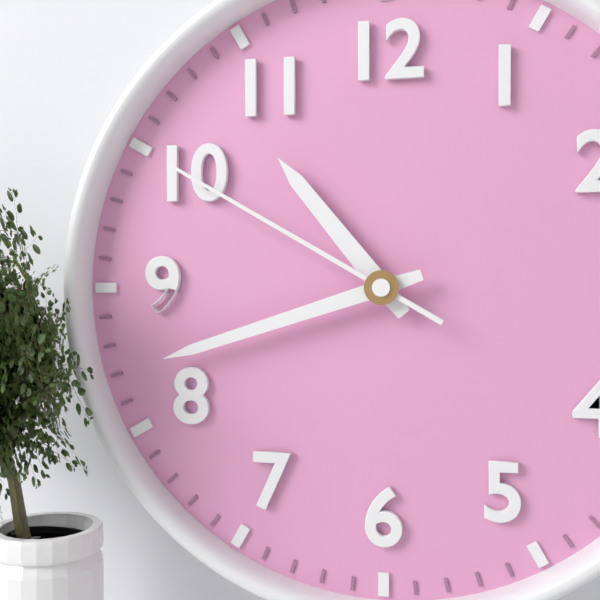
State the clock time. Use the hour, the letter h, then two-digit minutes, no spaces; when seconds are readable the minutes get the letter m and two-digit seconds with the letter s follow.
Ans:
10h42m50s
